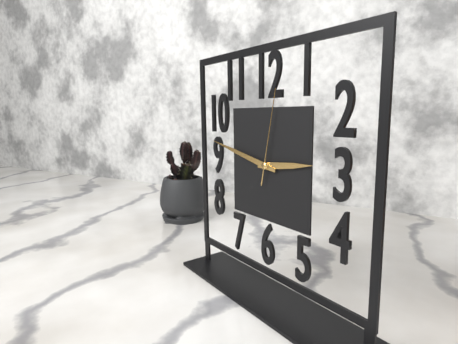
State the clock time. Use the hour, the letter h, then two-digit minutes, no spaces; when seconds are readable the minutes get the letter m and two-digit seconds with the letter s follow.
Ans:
2h47m02s
